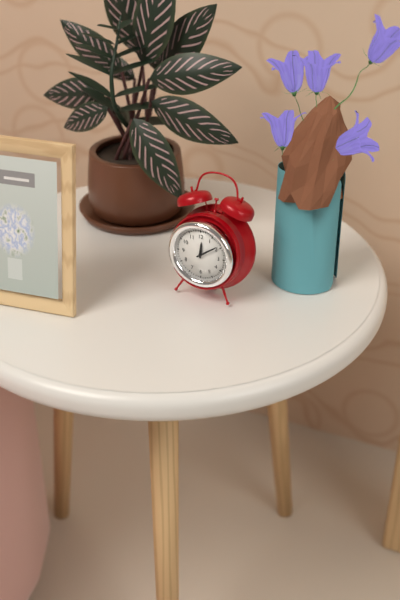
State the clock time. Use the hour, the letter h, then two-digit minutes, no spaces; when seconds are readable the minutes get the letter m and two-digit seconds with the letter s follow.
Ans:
12h09
